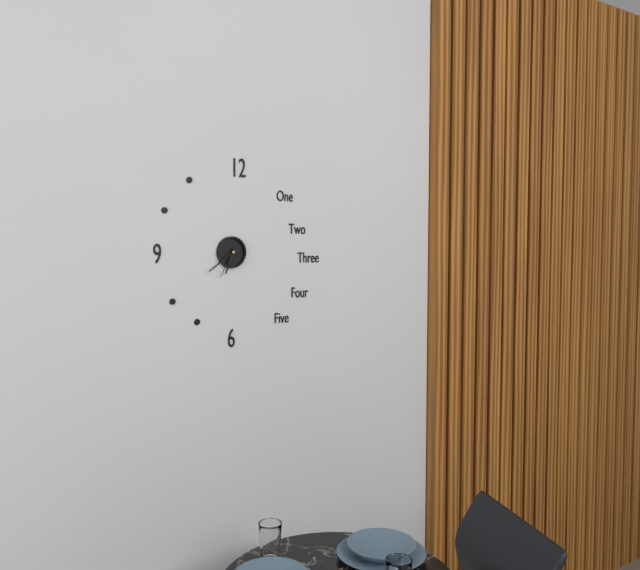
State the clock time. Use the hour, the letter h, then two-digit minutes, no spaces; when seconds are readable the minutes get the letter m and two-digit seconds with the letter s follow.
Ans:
6h39
